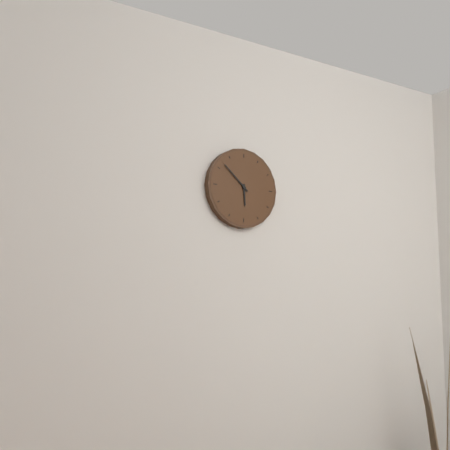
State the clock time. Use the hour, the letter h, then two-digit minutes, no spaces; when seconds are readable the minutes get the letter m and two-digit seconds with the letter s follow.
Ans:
5h52
